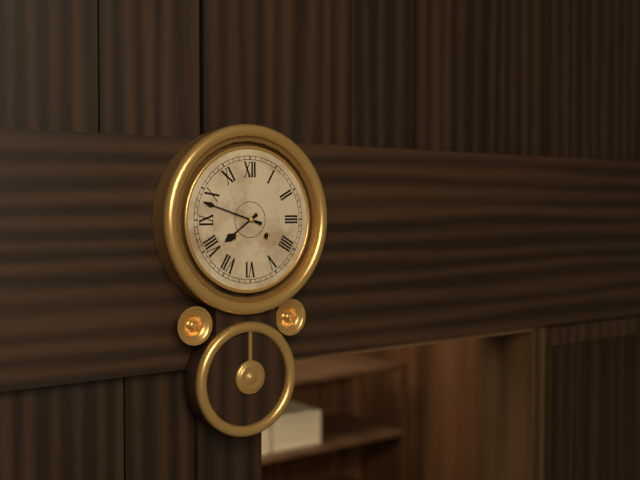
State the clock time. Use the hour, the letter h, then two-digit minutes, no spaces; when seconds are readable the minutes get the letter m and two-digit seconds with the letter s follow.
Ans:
7h48
